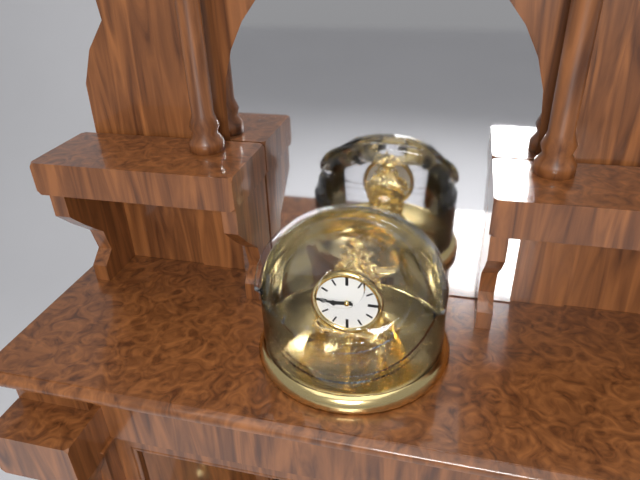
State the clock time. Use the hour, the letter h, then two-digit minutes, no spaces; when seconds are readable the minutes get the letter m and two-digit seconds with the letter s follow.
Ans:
8h45
